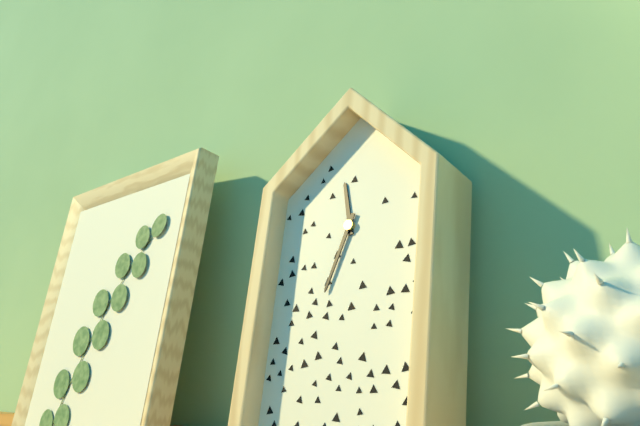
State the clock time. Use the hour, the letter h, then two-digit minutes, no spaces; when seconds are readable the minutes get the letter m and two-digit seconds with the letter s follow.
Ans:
11h33
